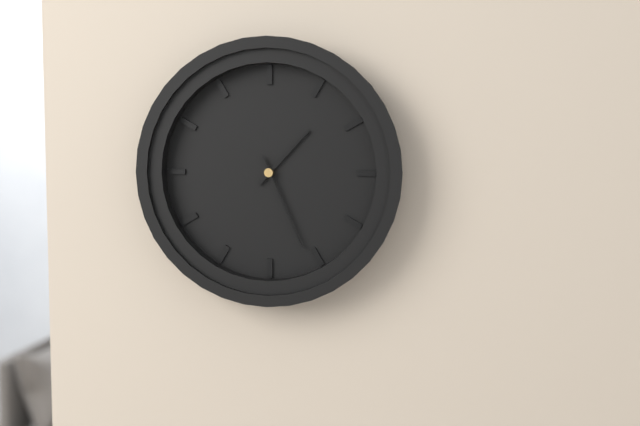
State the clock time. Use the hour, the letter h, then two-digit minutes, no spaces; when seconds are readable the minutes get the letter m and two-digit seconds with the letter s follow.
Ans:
1h26
